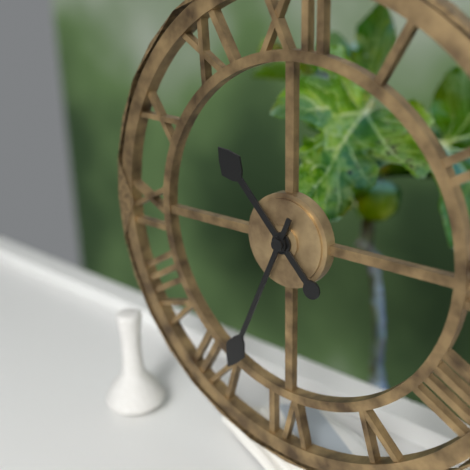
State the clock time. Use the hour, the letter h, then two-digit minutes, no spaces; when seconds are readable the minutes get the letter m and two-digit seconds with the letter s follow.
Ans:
10h34
